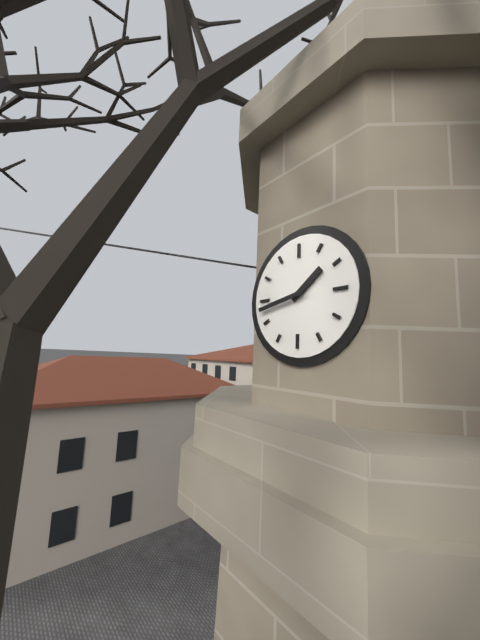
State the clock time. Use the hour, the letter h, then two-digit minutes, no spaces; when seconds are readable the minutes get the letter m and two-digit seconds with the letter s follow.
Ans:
1h43
